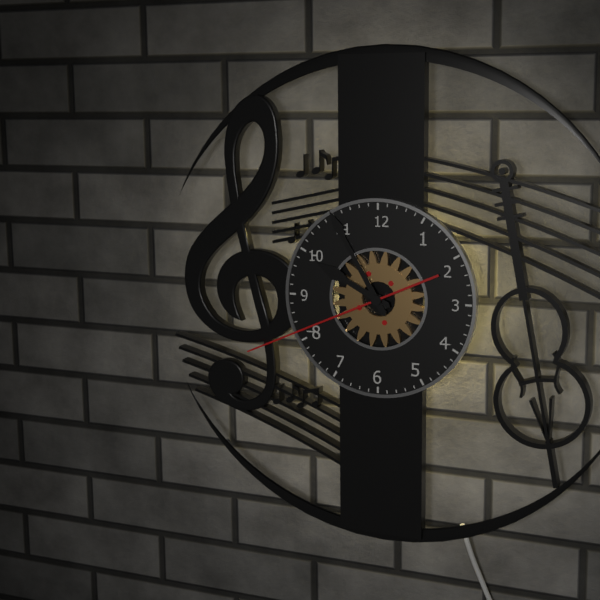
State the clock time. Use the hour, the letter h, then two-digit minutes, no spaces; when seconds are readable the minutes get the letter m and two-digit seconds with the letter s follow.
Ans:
9h55m41s
